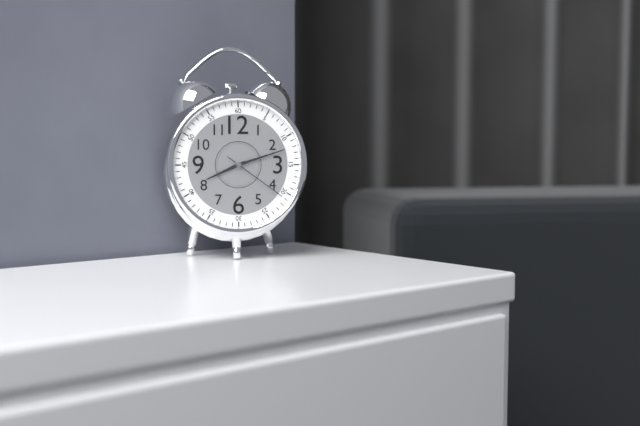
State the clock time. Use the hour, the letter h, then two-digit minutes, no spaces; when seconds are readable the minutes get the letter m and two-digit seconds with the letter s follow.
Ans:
8h12m21s
